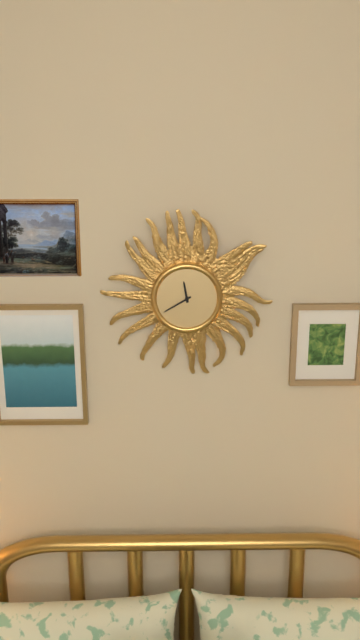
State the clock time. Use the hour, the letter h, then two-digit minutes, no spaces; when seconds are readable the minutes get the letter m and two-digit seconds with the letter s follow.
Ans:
11h40
